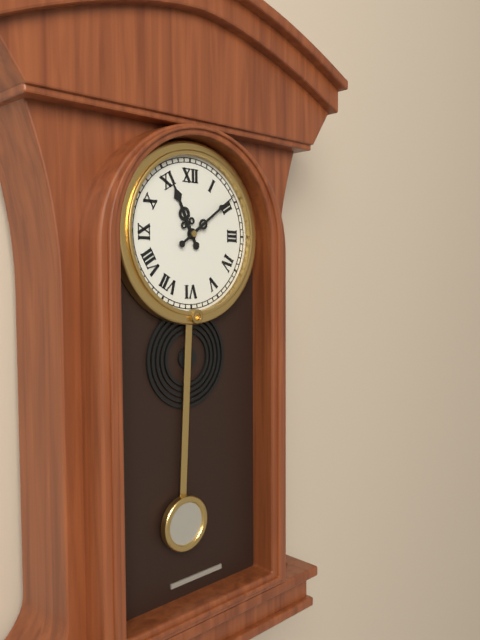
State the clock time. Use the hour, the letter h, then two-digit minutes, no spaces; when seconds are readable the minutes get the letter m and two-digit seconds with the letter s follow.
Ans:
11h09
